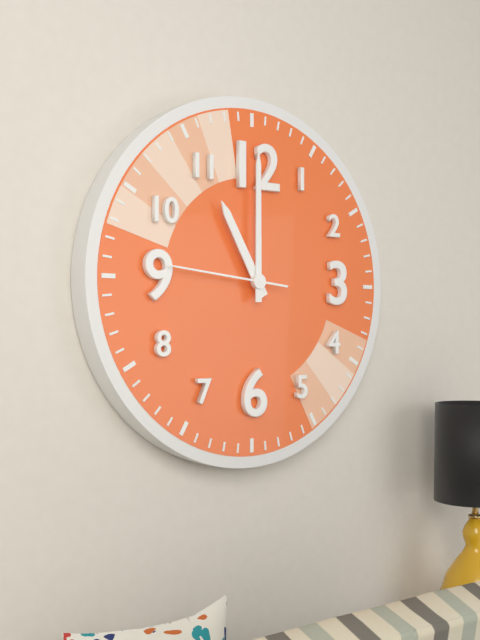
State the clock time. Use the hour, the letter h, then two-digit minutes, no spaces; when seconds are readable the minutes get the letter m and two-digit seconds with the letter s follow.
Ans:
11h00m46s
